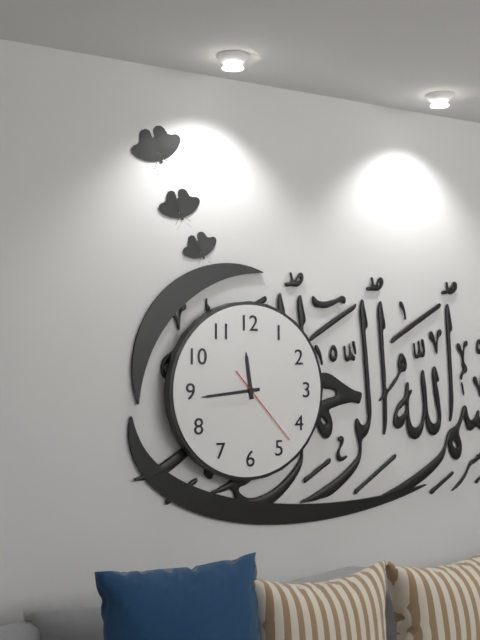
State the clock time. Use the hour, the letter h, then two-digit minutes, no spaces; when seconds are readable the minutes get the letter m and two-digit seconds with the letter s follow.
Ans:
11h44m23s
